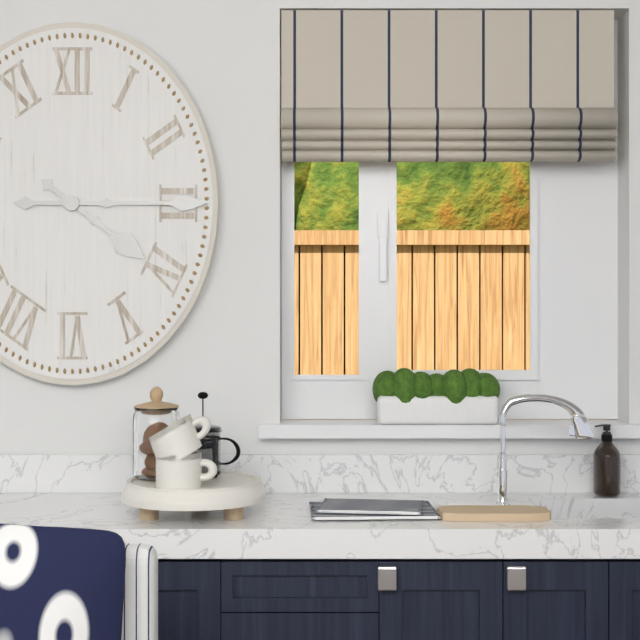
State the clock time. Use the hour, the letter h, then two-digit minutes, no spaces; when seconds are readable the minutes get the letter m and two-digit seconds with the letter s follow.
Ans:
4h15
